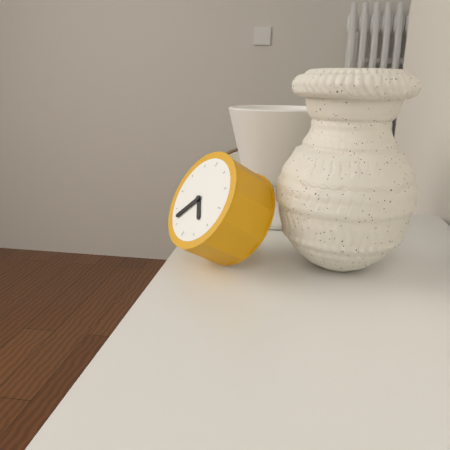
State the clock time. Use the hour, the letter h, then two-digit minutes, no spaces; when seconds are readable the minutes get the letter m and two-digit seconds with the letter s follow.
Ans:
4h37
